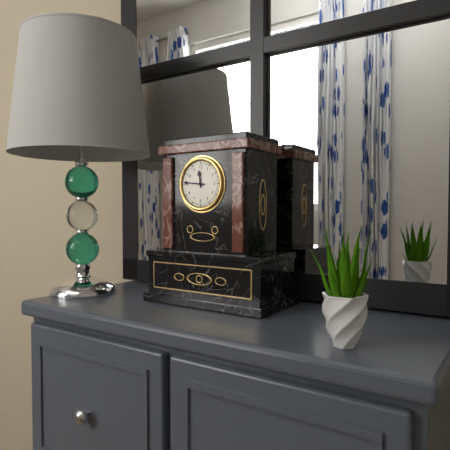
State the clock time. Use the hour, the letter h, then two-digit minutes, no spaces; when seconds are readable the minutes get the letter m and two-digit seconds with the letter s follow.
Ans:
11h46
